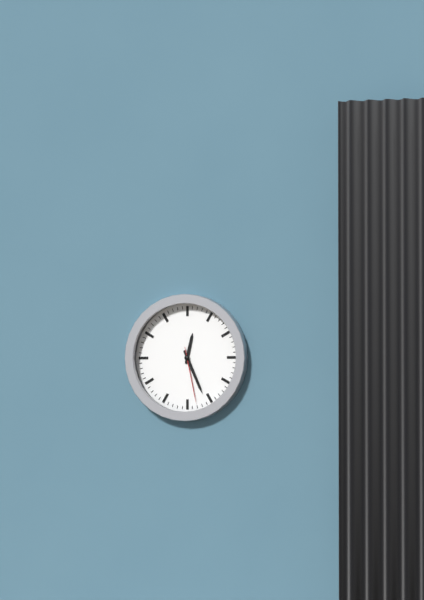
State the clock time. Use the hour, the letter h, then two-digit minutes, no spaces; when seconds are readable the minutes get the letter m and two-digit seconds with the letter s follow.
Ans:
12h26m28s
